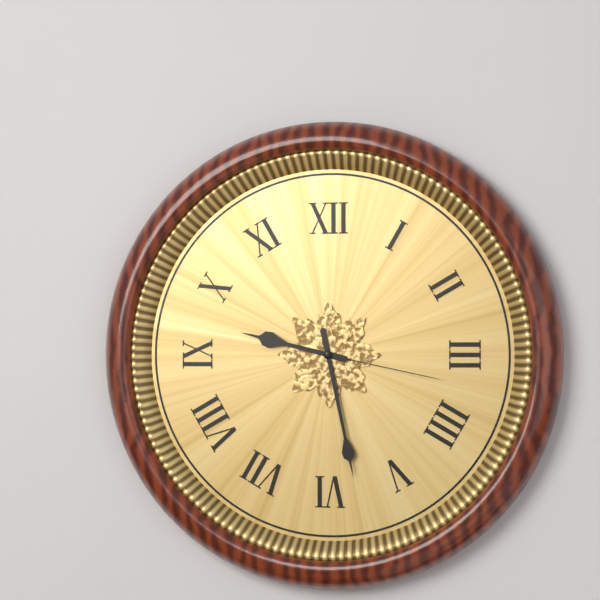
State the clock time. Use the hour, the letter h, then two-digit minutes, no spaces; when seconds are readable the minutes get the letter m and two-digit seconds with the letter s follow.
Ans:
9h28m17s
